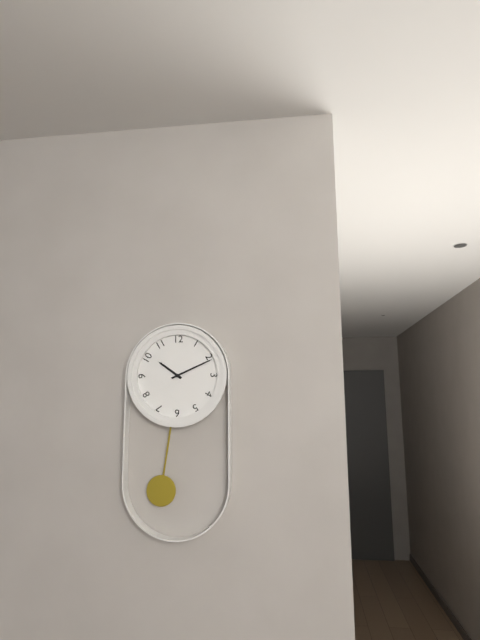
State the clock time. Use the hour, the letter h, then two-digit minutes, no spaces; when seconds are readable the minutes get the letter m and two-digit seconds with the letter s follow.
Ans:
10h11
